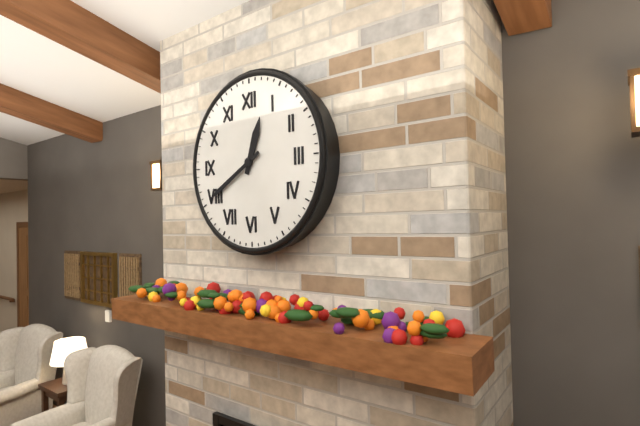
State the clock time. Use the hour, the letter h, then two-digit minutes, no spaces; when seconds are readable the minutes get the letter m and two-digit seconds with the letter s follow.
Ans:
12h40
